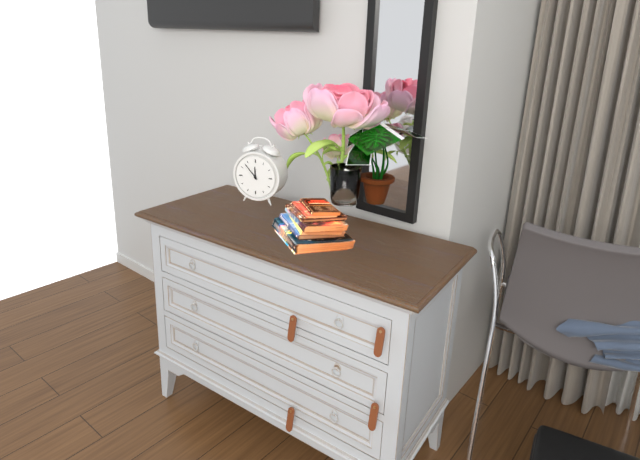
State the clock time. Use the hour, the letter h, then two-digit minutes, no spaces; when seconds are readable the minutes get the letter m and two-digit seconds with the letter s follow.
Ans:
11h53
